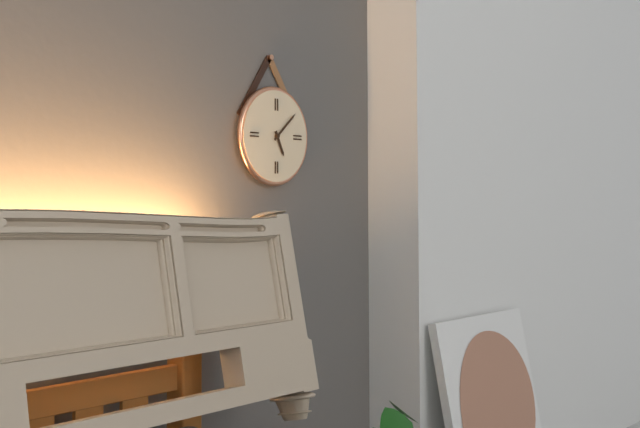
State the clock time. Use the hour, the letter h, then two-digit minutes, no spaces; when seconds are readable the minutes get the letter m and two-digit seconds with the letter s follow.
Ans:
5h08
